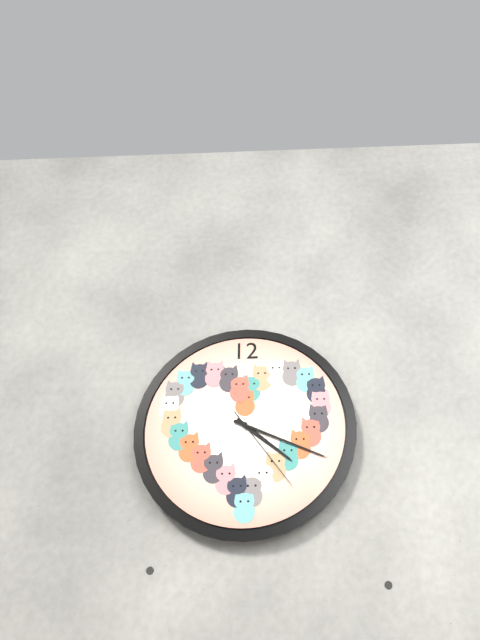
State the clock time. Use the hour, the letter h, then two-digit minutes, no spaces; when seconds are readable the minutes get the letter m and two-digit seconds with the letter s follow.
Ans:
4h19m24s
